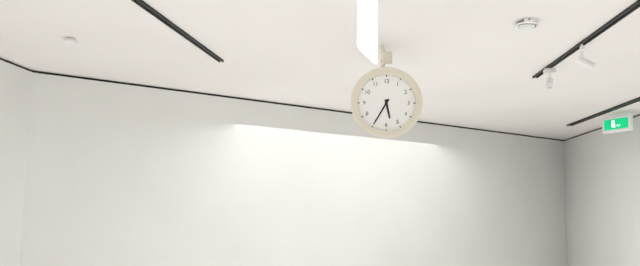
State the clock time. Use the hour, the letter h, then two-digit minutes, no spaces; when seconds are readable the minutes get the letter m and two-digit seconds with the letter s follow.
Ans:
5h35
